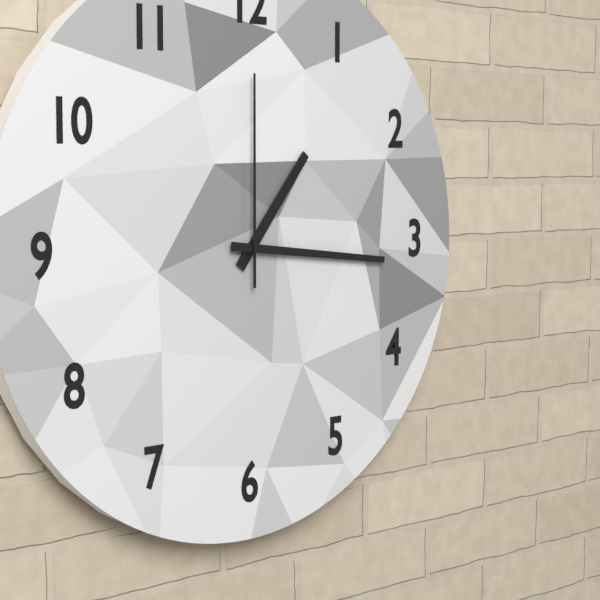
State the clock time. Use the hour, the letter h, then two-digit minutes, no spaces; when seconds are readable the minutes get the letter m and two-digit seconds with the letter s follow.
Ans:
1h16m00s
